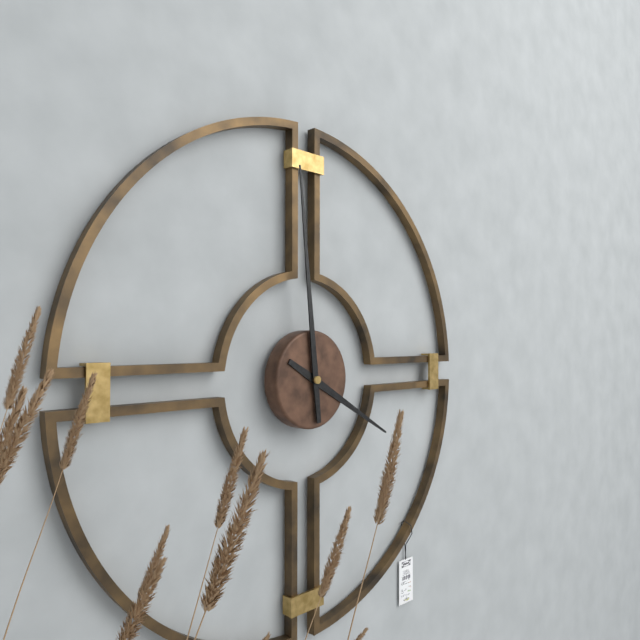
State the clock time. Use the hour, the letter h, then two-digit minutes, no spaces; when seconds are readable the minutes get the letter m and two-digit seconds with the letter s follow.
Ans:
3h59
